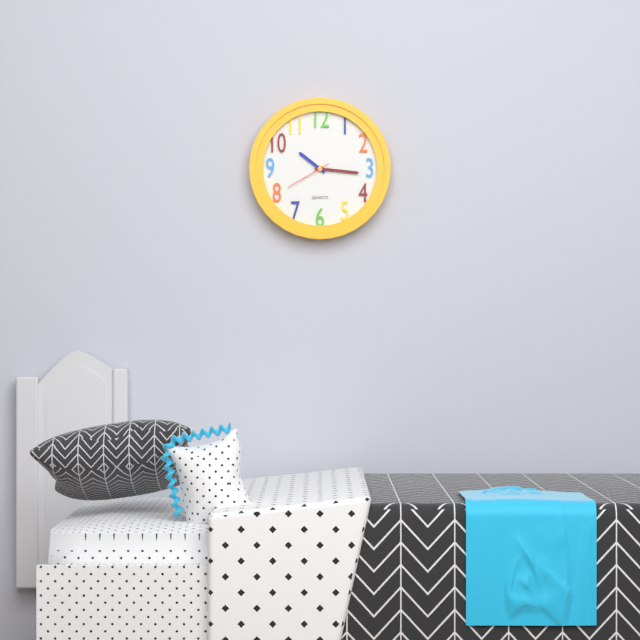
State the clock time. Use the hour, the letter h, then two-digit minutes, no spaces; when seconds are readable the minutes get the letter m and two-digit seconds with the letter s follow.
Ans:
10h16
